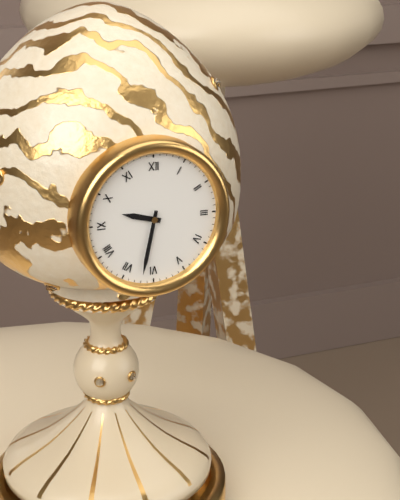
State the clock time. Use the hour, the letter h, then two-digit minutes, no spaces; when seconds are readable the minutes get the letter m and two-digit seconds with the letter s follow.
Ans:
9h32
